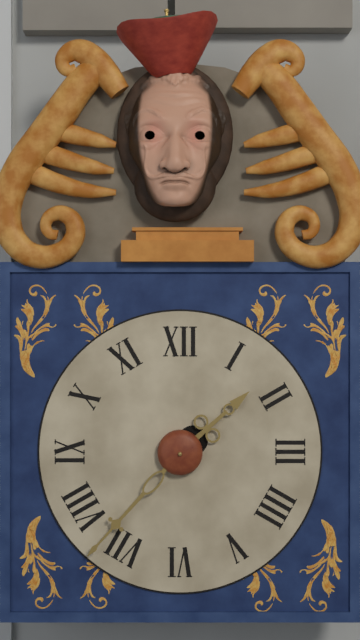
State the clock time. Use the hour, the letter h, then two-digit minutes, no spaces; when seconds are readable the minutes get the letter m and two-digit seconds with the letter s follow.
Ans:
1h37
